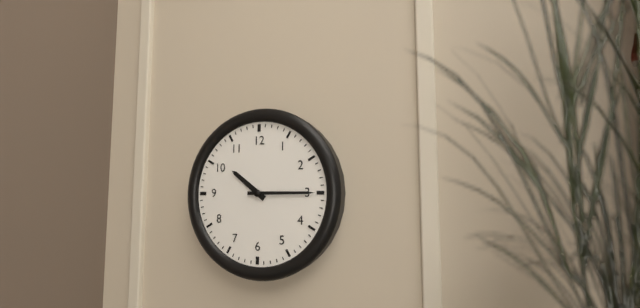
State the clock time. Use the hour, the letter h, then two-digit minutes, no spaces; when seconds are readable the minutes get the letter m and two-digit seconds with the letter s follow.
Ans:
10h15
